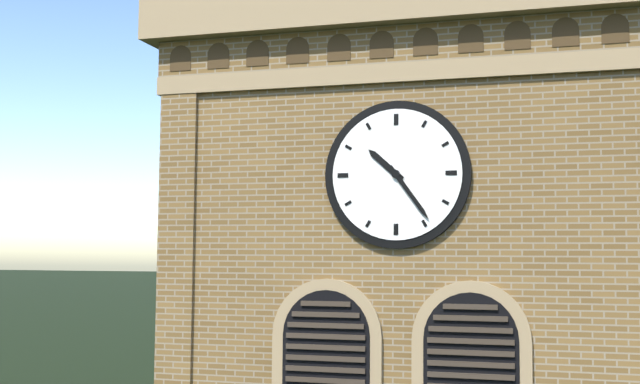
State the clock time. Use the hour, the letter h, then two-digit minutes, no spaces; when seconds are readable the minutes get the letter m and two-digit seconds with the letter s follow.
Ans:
10h24
